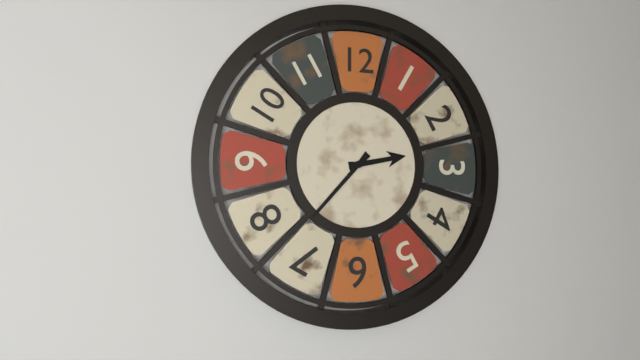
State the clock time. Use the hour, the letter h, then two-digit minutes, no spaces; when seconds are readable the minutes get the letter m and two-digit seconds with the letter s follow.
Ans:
2h37
